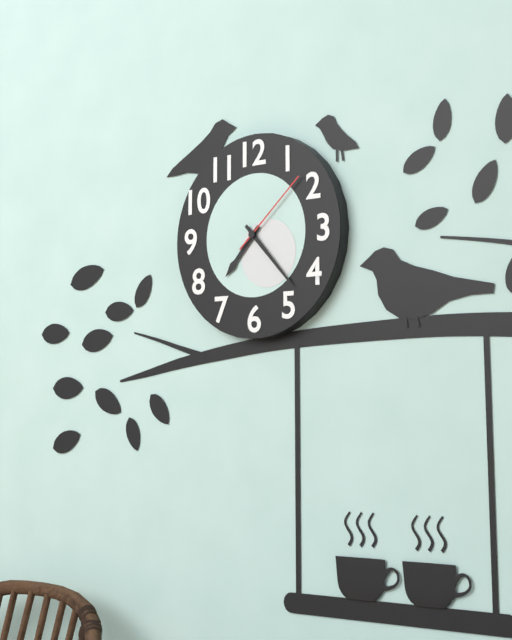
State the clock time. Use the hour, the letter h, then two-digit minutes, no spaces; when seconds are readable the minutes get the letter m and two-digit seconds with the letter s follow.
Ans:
7h23m08s
